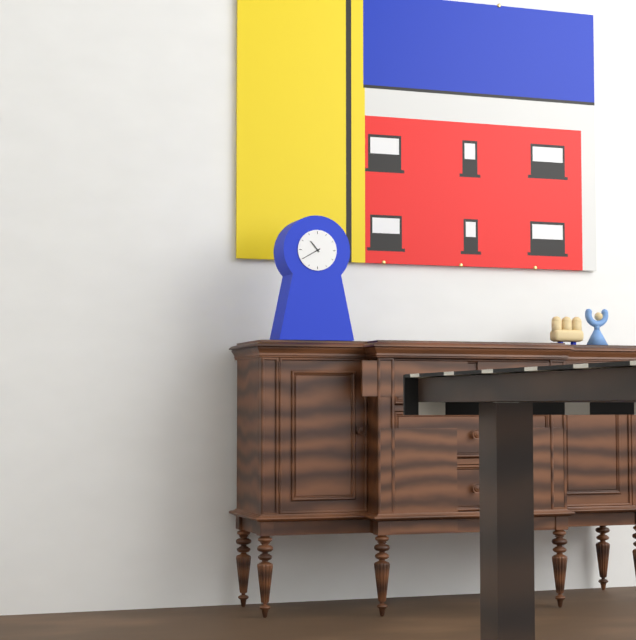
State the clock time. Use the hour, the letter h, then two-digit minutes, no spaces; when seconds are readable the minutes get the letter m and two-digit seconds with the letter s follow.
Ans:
10h40
